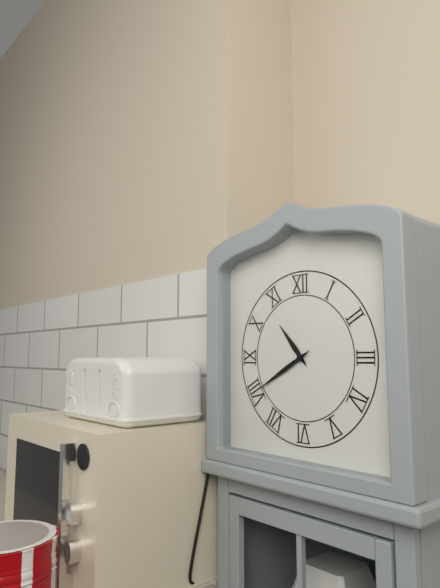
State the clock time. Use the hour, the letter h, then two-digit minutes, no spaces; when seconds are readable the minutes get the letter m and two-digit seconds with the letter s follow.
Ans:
10h40
